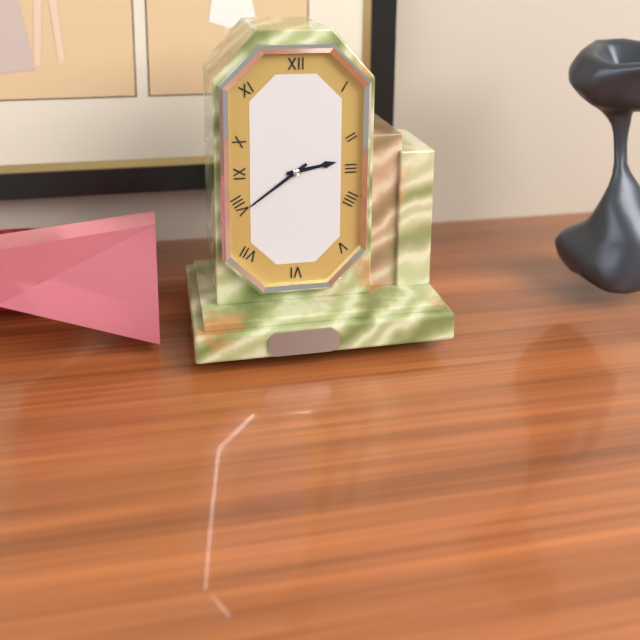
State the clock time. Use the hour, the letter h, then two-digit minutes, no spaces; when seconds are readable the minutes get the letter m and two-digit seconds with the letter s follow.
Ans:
2h39
